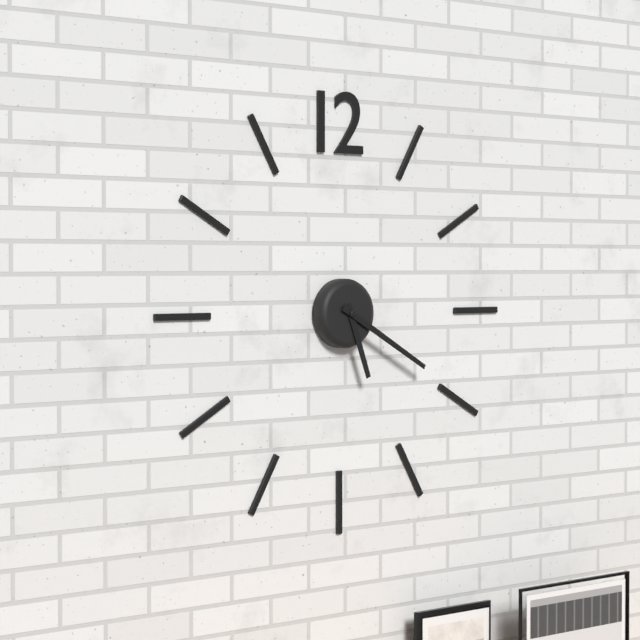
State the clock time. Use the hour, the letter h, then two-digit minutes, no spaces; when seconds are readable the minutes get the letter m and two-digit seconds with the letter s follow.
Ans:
5h20
